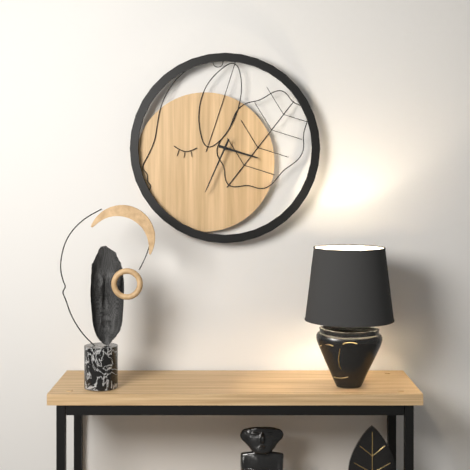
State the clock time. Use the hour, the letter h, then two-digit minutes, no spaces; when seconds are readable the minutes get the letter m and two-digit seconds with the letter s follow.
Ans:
3h34
